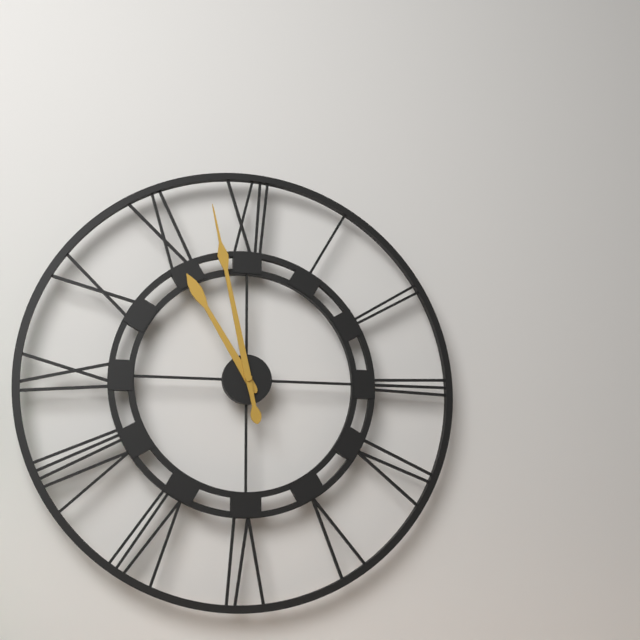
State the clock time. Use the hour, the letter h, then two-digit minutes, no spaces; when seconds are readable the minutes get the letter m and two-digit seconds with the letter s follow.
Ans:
10h58
